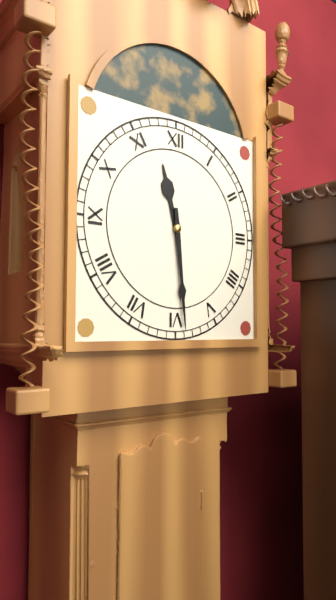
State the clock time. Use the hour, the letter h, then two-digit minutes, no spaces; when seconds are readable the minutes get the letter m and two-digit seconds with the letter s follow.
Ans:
11h29
